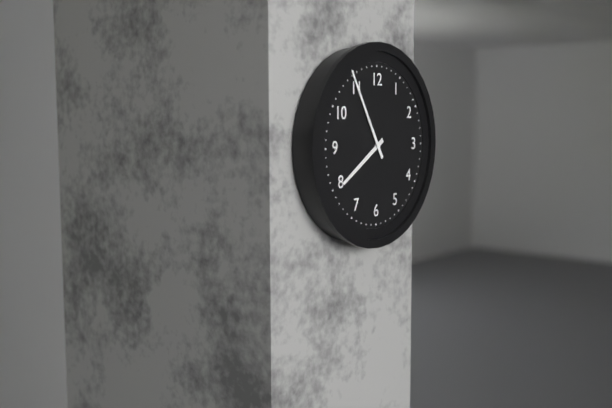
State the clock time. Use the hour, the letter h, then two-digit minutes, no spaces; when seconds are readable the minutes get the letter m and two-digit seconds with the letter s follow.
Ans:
7h55
